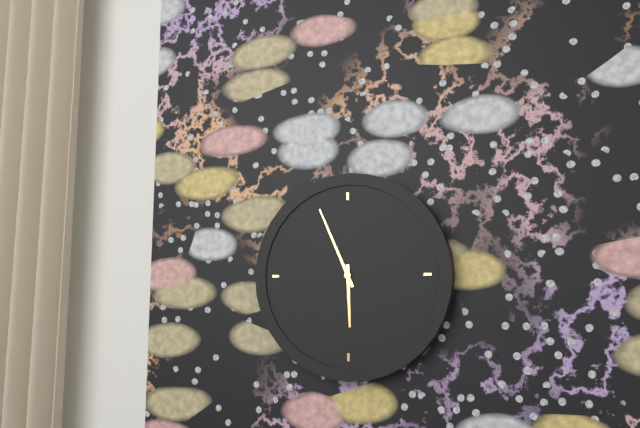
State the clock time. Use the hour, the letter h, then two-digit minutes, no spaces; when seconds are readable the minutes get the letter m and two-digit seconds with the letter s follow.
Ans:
5h56
